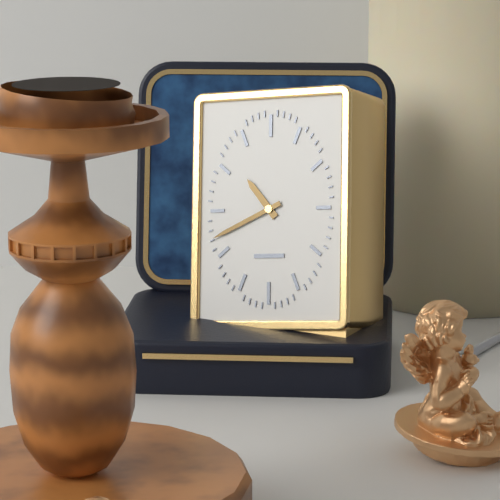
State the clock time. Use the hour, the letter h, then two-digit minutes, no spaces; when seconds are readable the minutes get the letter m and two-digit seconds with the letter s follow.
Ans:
10h41
